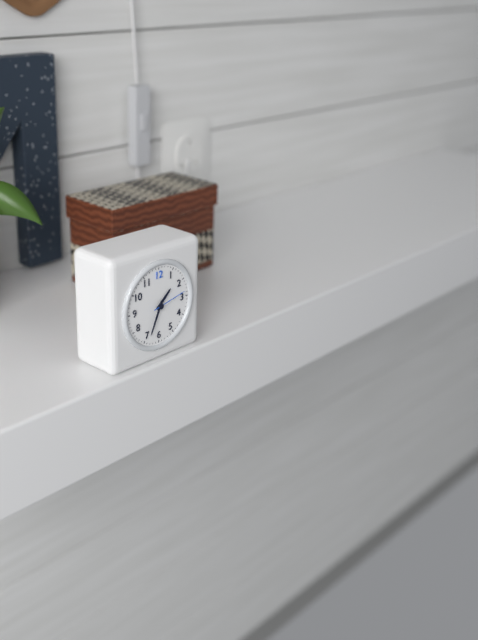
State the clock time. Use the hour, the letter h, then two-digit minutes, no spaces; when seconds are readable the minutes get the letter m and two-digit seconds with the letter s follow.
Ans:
1h34
